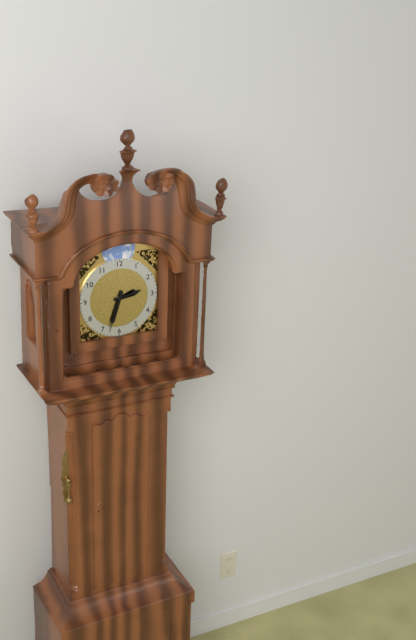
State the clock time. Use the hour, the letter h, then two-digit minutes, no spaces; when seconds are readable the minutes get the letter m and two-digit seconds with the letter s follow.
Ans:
2h33
